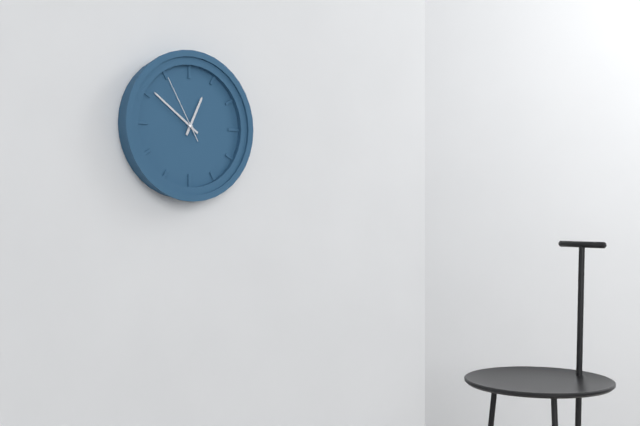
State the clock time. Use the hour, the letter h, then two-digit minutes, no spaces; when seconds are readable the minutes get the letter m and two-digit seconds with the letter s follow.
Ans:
12h51m55s
